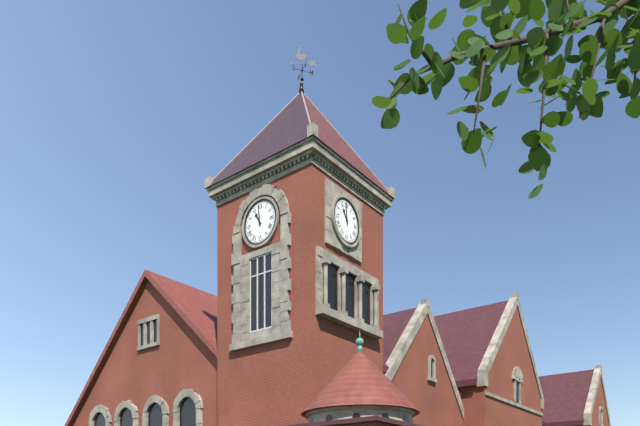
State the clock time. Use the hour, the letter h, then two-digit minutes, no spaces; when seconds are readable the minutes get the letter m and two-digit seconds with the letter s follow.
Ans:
10h59
